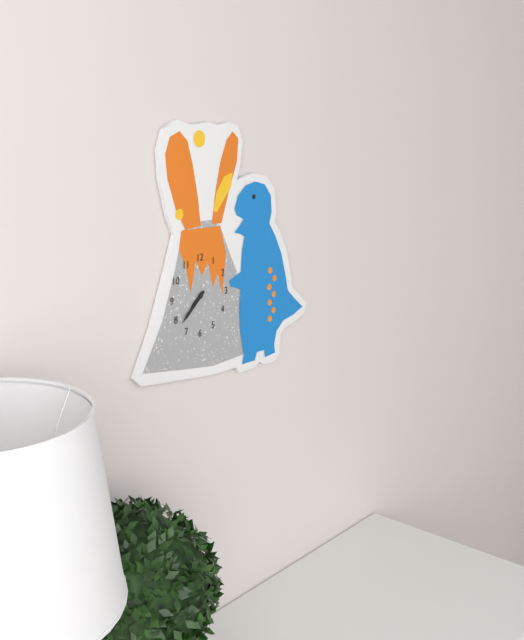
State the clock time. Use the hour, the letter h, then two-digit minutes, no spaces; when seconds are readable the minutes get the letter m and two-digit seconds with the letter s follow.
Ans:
7h38
